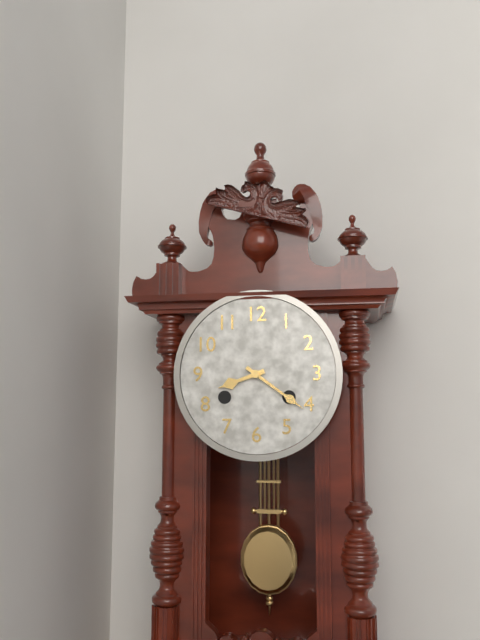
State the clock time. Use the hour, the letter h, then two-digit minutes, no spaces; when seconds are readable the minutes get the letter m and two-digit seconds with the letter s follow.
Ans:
8h21
